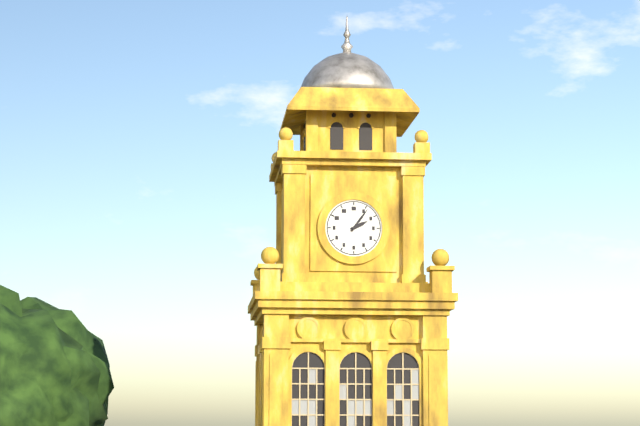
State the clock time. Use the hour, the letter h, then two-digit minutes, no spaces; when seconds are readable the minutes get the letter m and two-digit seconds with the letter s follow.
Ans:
2h06
